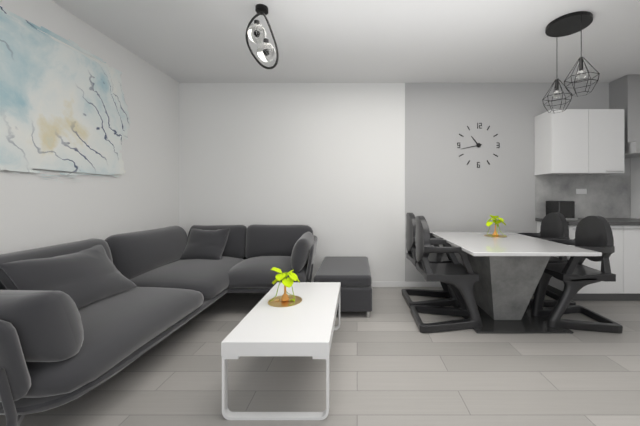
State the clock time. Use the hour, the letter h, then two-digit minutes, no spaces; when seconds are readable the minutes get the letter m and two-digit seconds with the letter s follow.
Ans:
10h43
